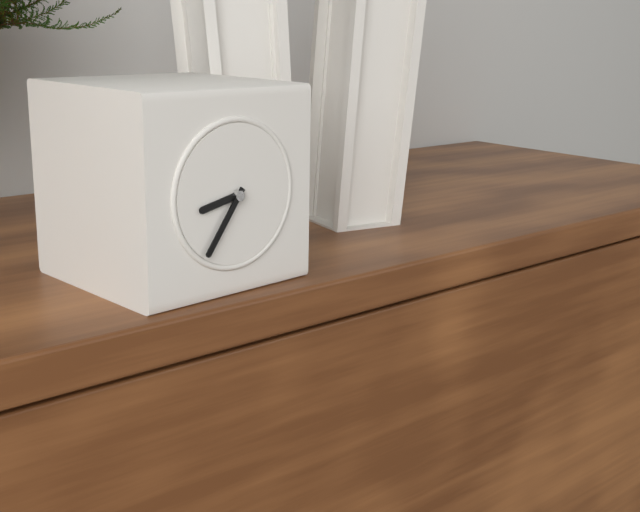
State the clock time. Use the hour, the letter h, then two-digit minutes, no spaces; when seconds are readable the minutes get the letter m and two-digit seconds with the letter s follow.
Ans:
8h36
